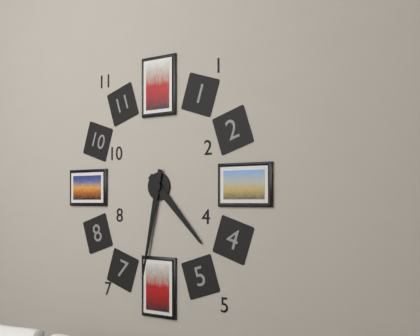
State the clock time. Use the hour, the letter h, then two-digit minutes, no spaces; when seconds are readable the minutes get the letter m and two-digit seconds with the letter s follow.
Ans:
4h32
